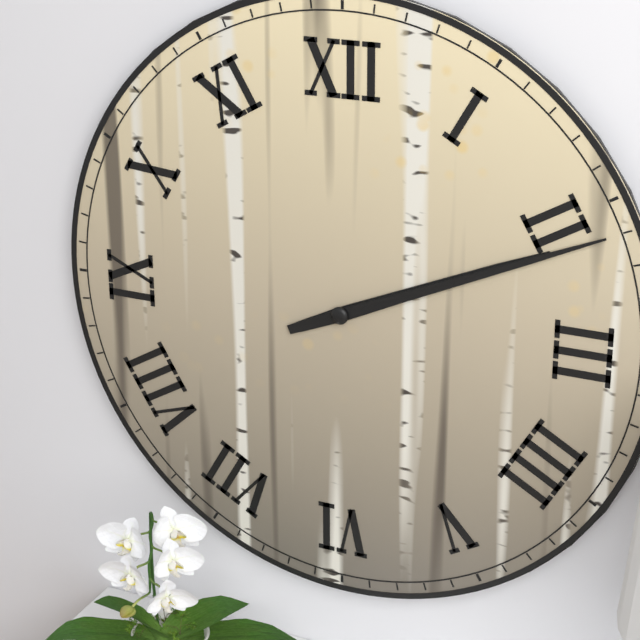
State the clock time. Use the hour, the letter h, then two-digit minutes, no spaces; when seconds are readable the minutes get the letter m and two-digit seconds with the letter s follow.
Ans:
2h11
